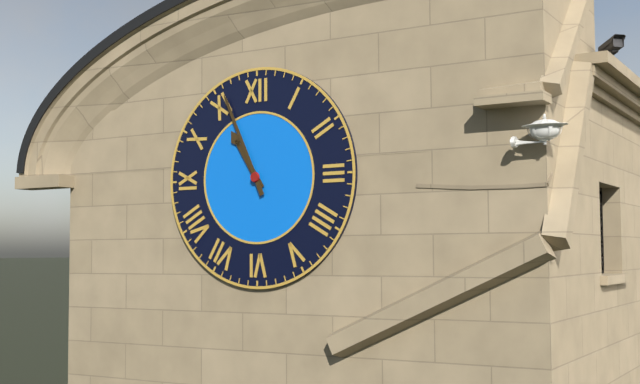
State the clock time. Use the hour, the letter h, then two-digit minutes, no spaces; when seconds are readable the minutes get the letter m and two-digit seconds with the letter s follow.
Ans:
10h56
